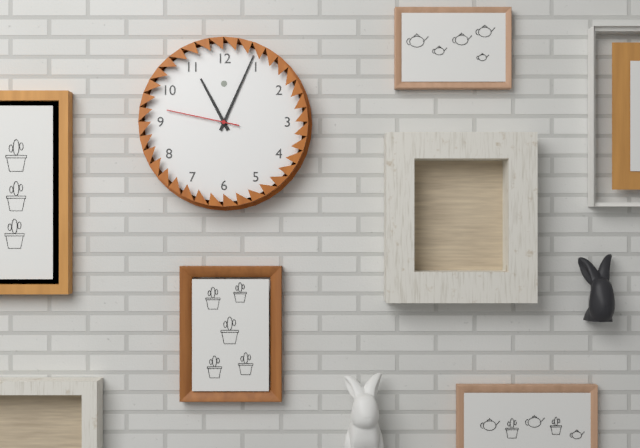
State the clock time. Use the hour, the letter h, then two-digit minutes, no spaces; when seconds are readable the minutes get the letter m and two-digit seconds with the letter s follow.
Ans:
11h04m47s
